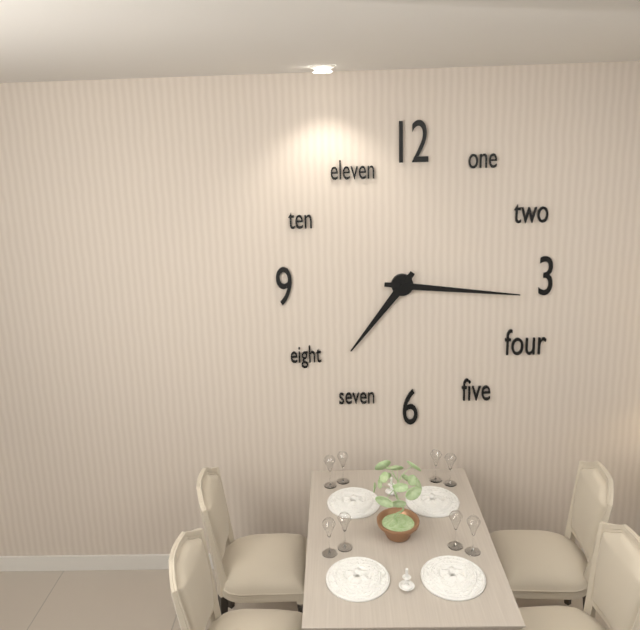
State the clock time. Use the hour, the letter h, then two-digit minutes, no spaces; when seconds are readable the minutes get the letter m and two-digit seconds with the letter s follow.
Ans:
7h16
